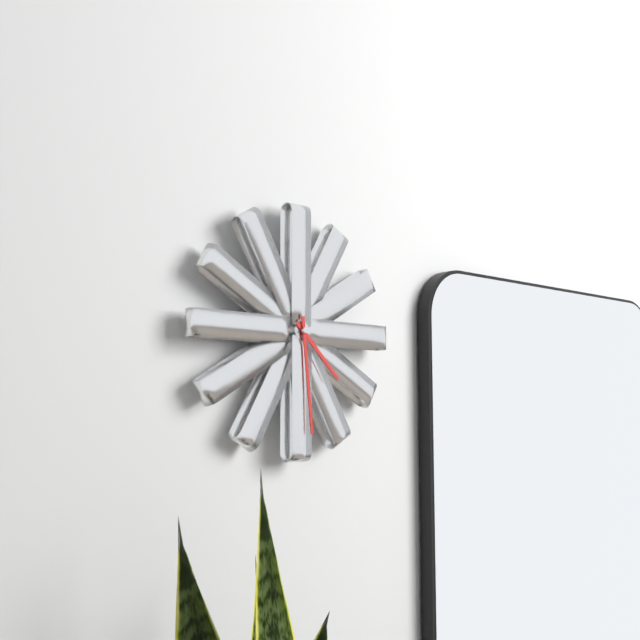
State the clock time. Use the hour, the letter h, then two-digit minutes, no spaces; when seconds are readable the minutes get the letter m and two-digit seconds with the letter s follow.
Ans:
4h29
